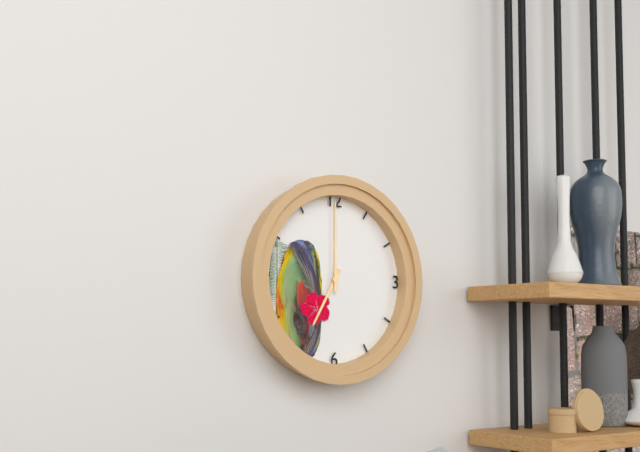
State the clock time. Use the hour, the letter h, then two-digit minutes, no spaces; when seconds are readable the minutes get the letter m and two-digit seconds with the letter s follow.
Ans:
7h00
